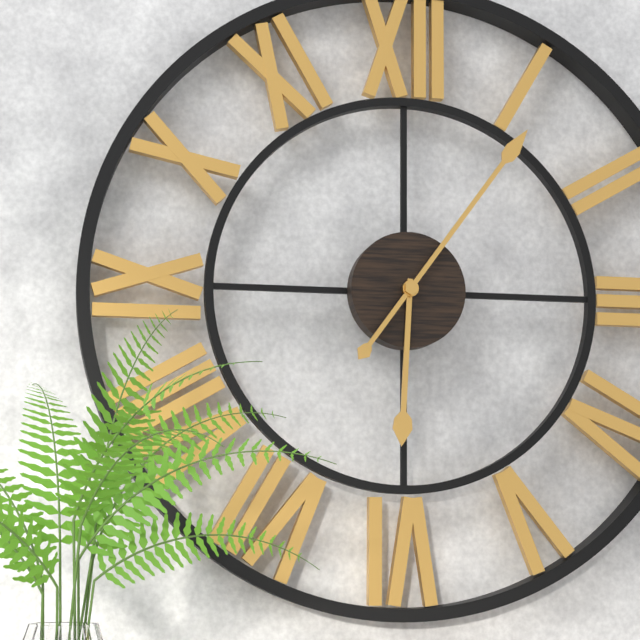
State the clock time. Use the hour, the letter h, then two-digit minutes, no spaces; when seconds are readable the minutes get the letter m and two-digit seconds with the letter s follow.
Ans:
6h06
